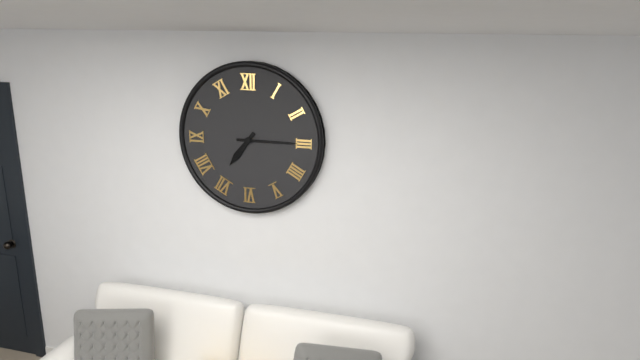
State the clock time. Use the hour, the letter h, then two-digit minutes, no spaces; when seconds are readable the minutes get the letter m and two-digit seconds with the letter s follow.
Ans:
7h15
